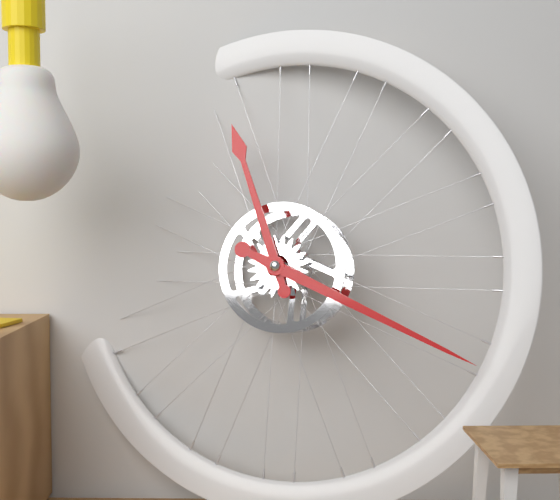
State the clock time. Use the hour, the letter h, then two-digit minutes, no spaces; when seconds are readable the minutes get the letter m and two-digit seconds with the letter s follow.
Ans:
11h19
